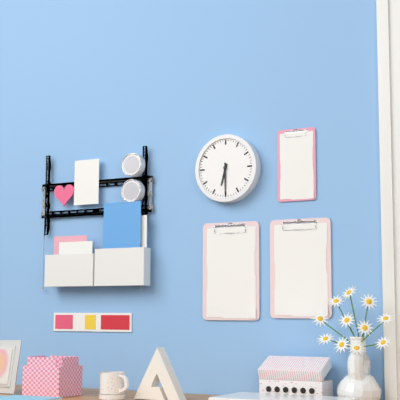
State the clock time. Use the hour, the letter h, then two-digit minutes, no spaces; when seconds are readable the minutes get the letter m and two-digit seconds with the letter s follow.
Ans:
6h30
